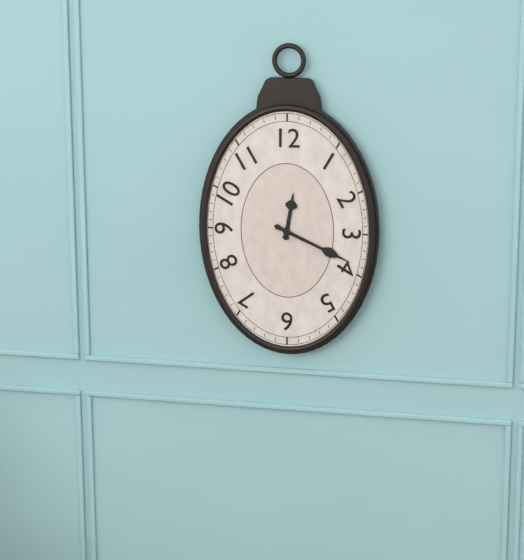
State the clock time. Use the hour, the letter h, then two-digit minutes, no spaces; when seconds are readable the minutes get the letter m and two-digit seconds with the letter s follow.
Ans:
12h19
